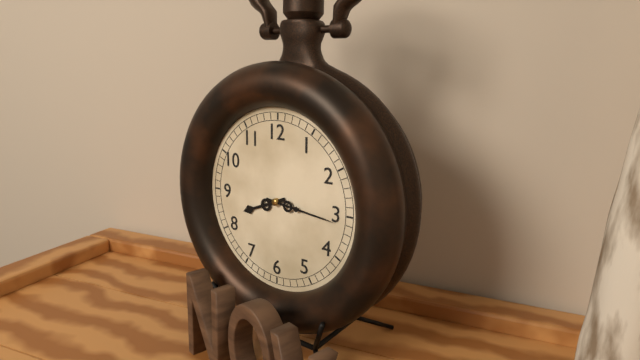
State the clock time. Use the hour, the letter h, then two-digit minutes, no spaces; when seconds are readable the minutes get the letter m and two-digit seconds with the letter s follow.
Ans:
8h16
